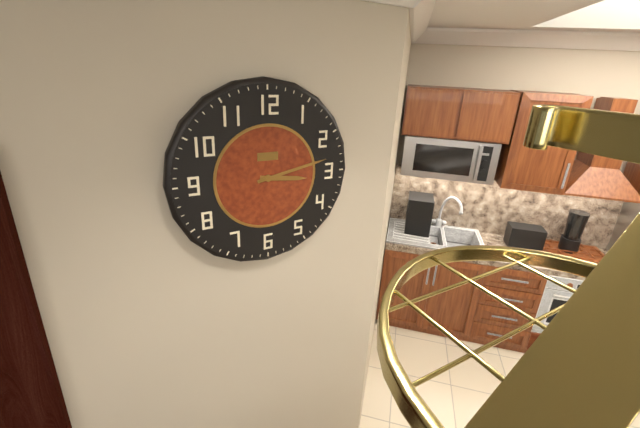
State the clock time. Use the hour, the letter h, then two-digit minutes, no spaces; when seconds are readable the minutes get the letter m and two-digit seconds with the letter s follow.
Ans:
3h13
